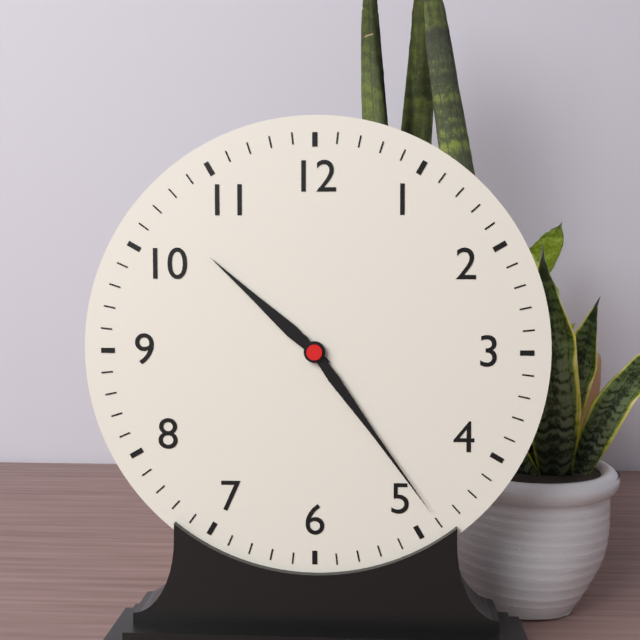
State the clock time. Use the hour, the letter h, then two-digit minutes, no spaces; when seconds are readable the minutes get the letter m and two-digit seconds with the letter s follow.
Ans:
10h24
